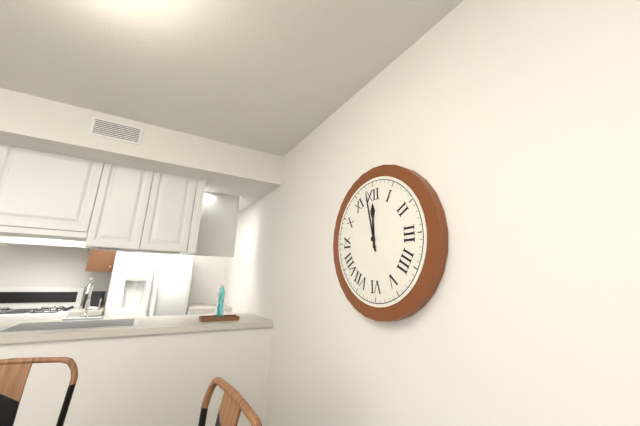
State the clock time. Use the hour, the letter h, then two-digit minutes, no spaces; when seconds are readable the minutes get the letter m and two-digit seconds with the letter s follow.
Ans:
11h58
